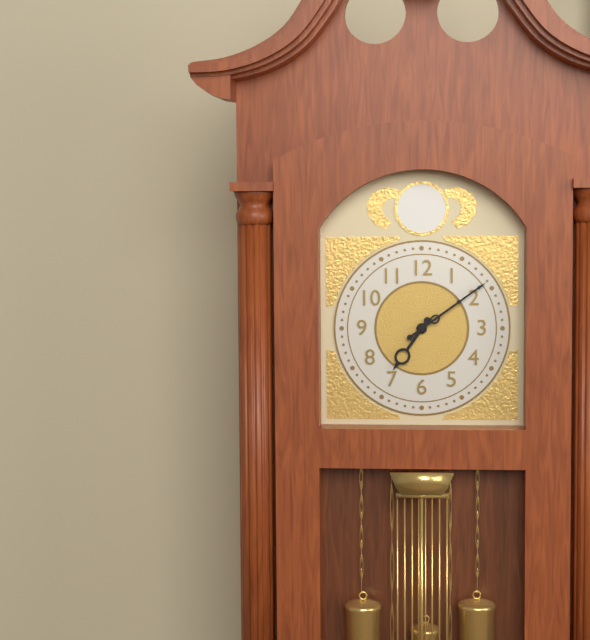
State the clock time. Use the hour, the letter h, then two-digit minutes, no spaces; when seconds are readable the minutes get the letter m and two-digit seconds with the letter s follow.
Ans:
7h09
